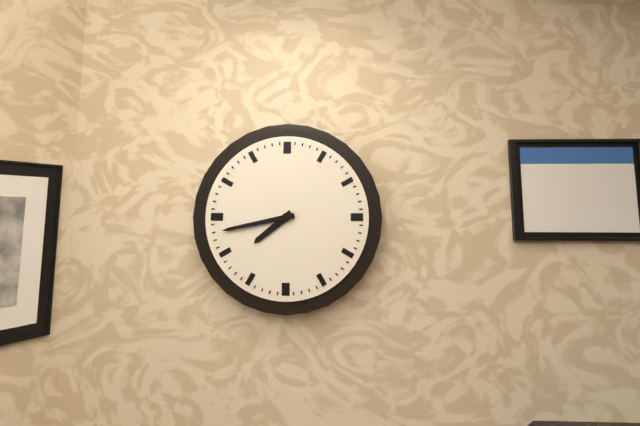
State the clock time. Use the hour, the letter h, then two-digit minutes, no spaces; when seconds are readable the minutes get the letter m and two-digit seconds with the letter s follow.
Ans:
7h43
